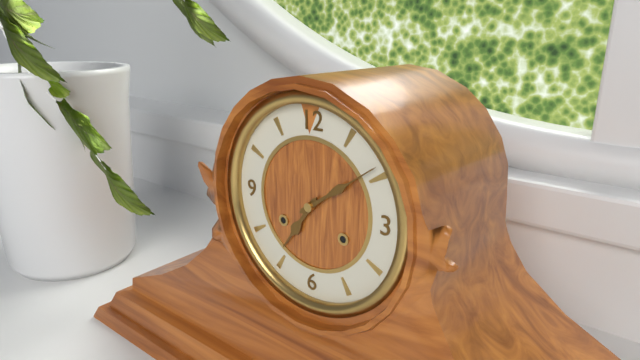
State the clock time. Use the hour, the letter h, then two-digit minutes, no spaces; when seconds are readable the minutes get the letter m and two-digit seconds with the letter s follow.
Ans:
7h09
